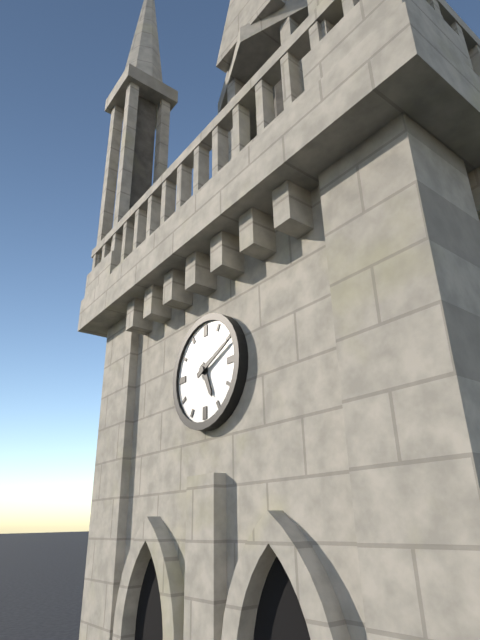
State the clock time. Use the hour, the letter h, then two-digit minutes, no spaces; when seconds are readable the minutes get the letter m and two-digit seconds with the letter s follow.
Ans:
5h11
